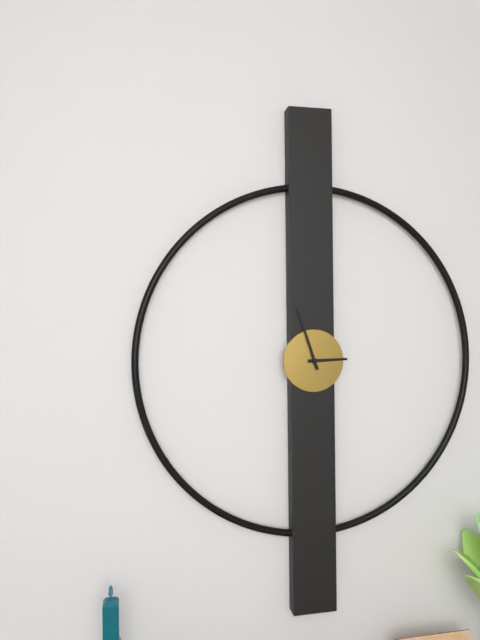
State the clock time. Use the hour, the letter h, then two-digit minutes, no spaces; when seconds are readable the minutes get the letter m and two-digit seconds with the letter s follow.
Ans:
2h57
